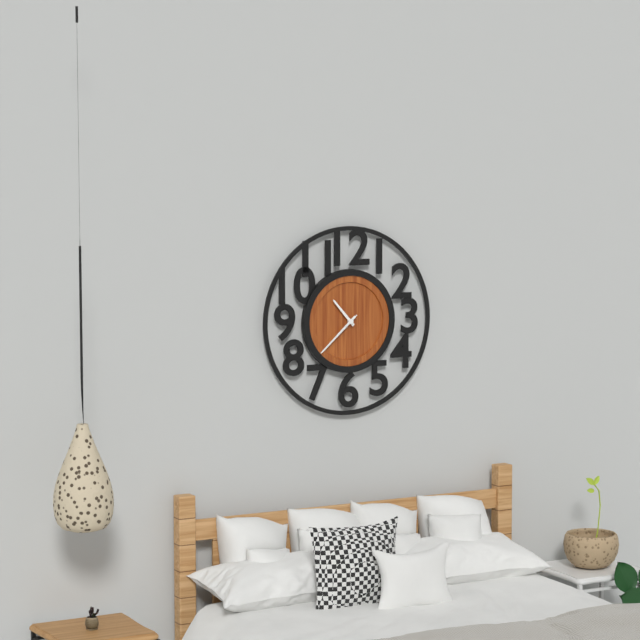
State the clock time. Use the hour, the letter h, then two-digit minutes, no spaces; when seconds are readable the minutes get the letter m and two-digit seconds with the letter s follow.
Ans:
10h38
